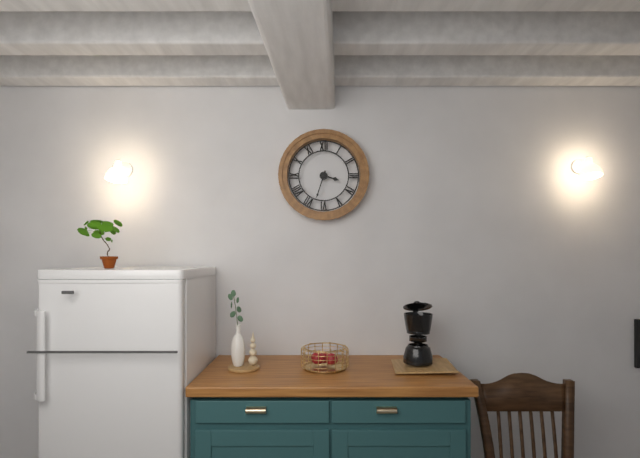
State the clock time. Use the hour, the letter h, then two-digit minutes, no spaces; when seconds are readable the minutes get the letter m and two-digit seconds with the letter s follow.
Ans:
3h33
